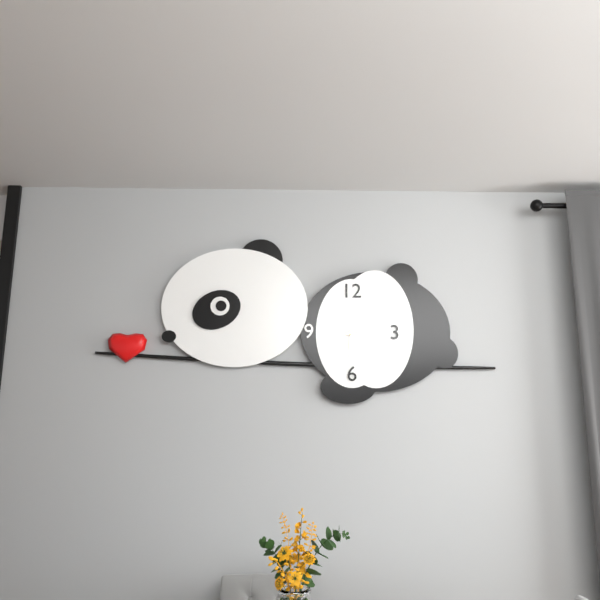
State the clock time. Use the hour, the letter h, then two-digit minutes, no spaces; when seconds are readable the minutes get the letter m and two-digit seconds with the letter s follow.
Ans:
6h12
